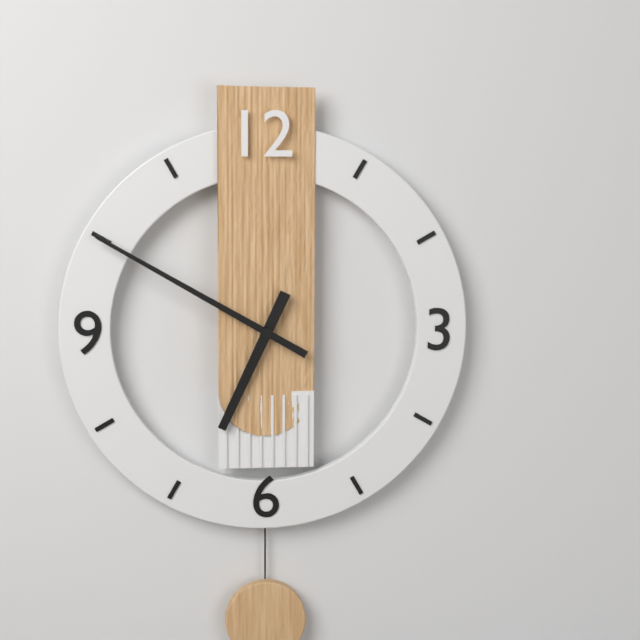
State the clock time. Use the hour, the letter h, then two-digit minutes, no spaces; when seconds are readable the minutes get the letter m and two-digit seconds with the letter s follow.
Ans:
6h50
